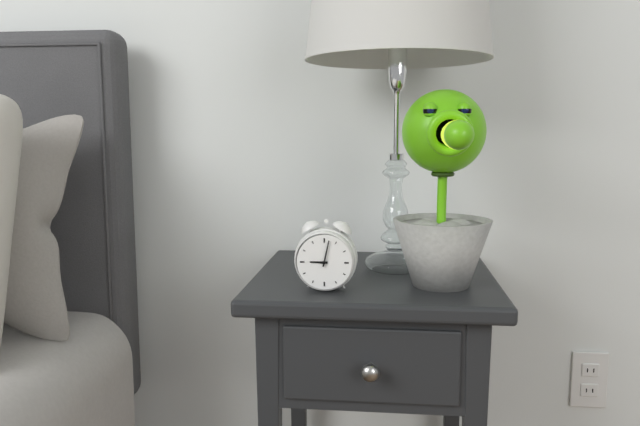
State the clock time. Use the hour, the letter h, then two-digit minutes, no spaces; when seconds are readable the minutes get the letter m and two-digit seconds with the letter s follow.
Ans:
9h02
